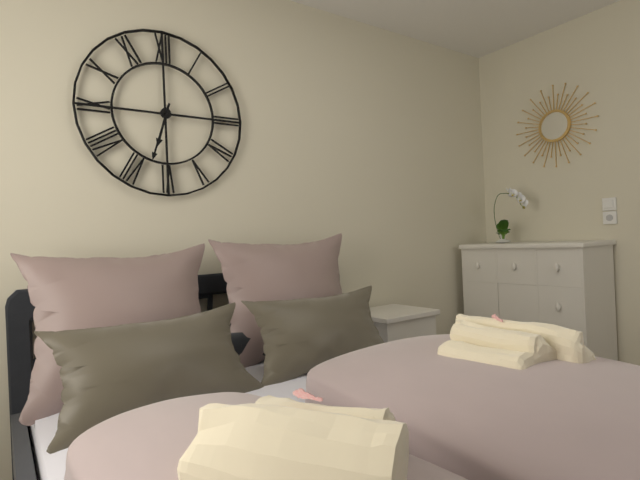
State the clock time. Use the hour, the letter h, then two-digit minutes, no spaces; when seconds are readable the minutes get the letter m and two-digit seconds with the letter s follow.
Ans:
6h33
